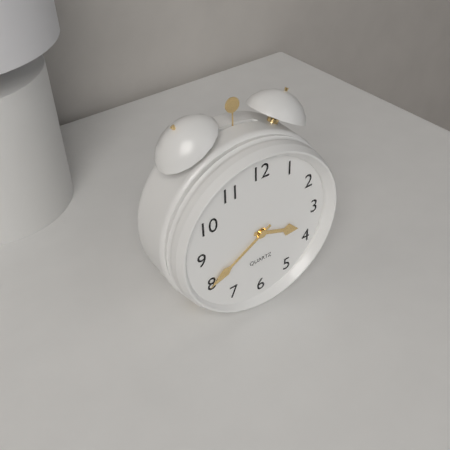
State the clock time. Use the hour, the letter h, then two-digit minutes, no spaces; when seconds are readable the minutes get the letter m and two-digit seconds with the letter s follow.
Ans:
3h40
